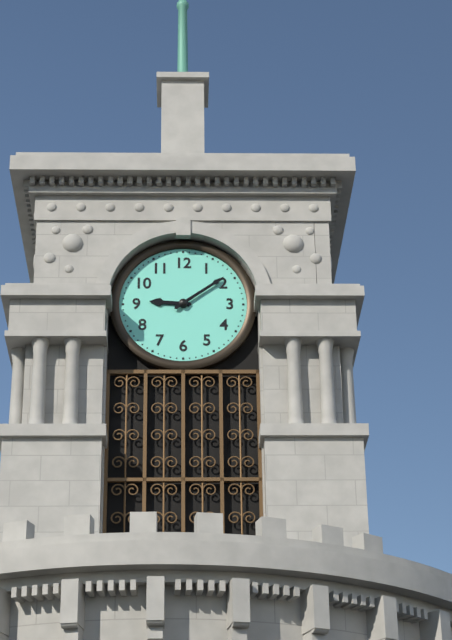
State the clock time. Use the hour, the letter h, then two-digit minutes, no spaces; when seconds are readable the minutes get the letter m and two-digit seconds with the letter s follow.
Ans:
9h09
